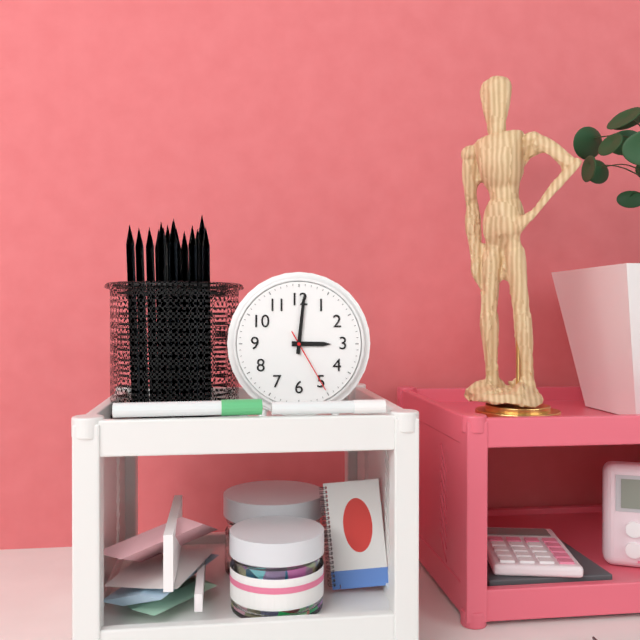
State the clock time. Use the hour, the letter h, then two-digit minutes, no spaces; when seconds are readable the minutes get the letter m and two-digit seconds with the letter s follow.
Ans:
3h01m25s
